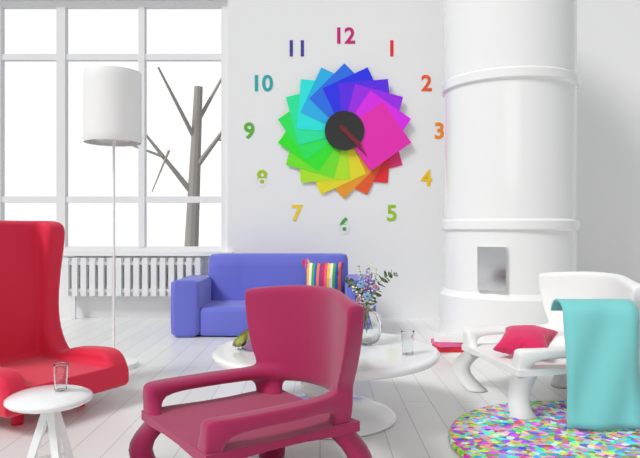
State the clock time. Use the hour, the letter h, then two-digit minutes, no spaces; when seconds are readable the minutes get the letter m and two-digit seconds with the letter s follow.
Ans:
4h23
